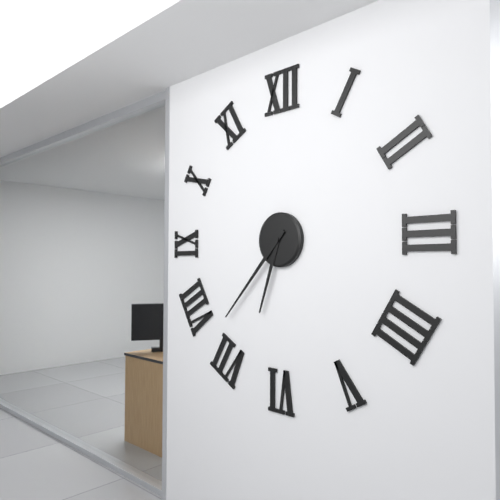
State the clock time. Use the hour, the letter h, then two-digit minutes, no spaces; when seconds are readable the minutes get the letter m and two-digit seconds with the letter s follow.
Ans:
6h37
